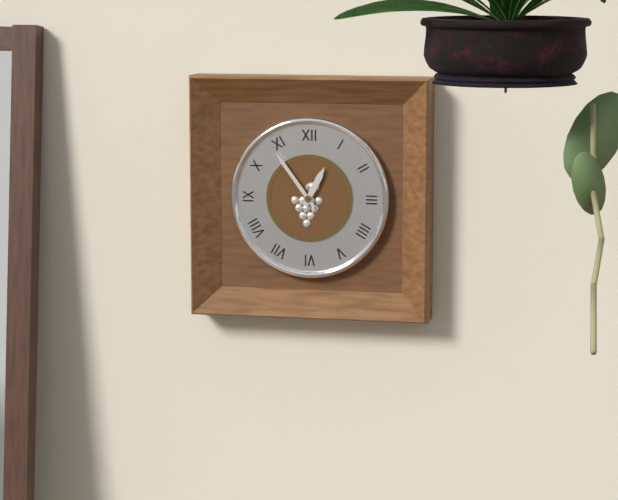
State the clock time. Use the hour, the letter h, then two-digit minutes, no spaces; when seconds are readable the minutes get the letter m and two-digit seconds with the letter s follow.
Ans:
12h54
